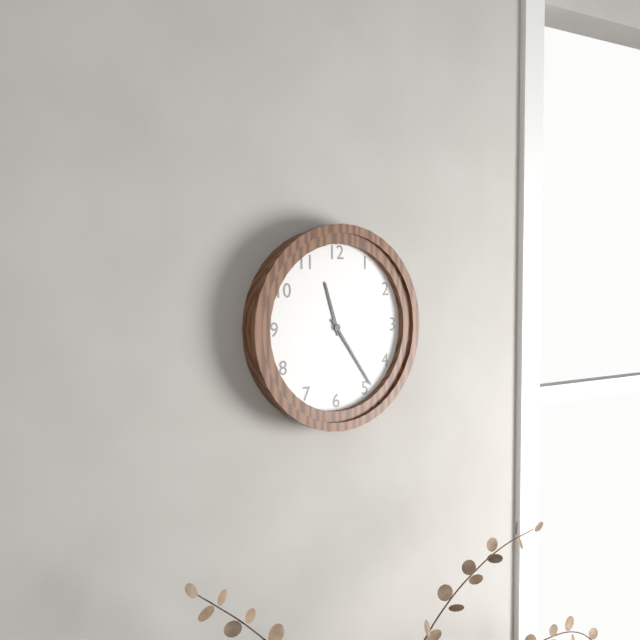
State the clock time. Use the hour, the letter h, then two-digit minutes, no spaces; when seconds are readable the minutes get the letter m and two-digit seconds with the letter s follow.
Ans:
11h24
